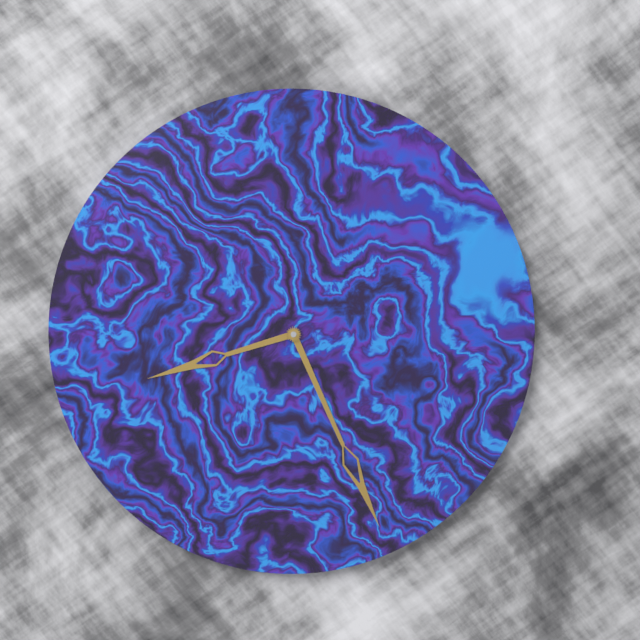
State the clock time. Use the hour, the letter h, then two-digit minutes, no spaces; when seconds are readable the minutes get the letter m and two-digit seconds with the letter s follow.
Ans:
8h26
